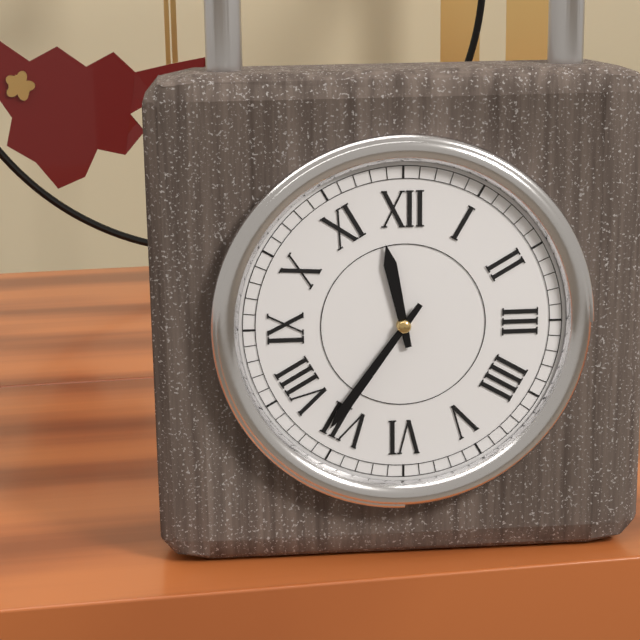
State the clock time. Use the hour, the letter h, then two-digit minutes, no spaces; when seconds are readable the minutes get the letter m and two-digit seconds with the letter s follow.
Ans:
11h36
